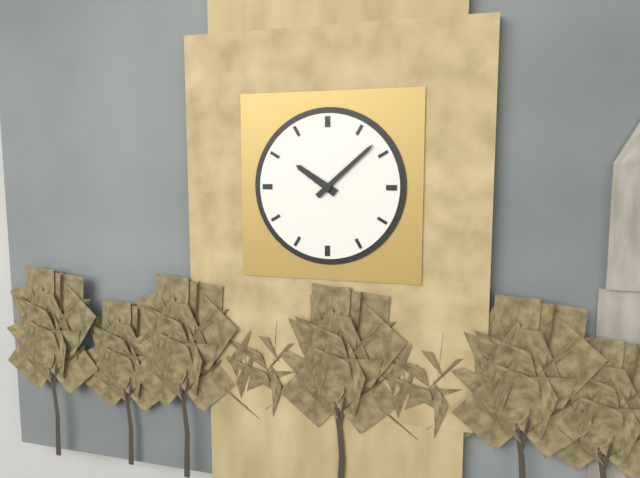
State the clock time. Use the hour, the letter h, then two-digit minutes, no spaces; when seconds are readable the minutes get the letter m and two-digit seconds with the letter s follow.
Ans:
10h08
